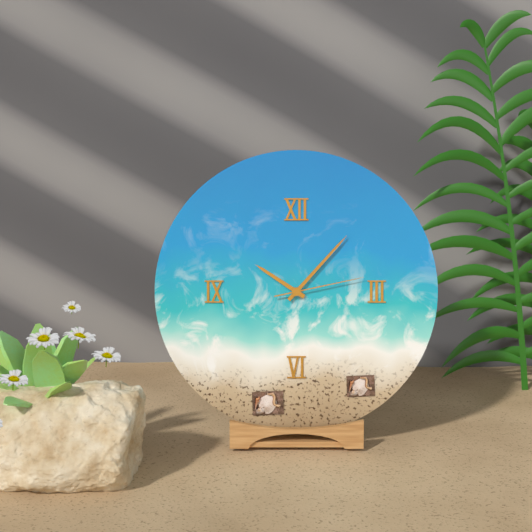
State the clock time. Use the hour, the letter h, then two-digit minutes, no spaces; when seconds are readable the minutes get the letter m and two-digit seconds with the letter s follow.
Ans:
10h07m13s
